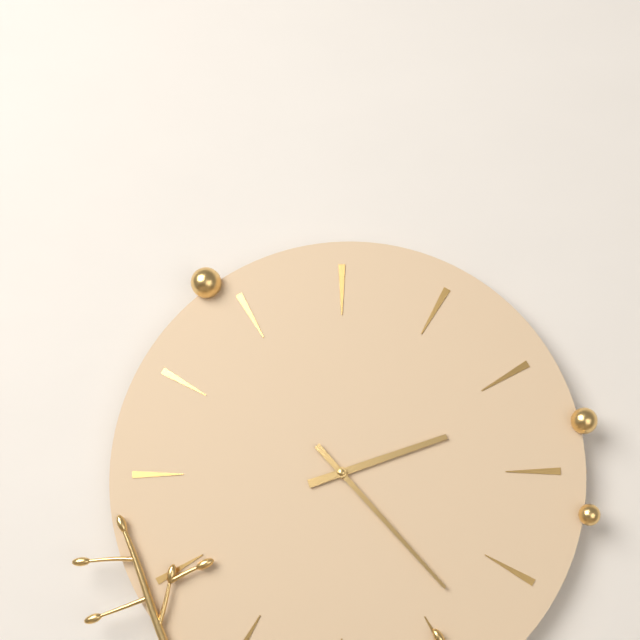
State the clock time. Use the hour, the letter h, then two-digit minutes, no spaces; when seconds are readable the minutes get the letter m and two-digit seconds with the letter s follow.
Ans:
2h23
